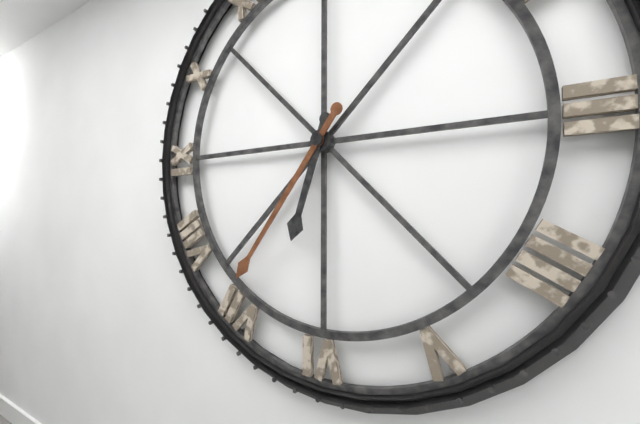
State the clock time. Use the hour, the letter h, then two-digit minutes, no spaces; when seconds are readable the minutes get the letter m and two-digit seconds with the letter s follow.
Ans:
6h36
